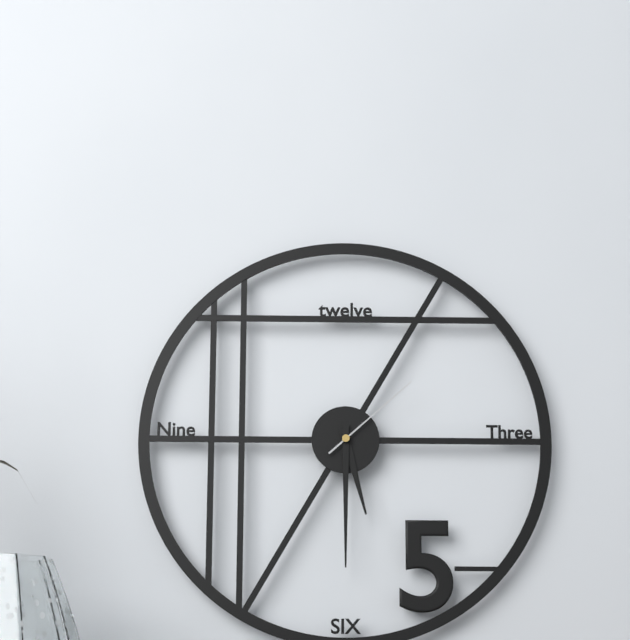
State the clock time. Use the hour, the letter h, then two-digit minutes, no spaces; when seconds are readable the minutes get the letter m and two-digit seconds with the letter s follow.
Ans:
5h30m08s
